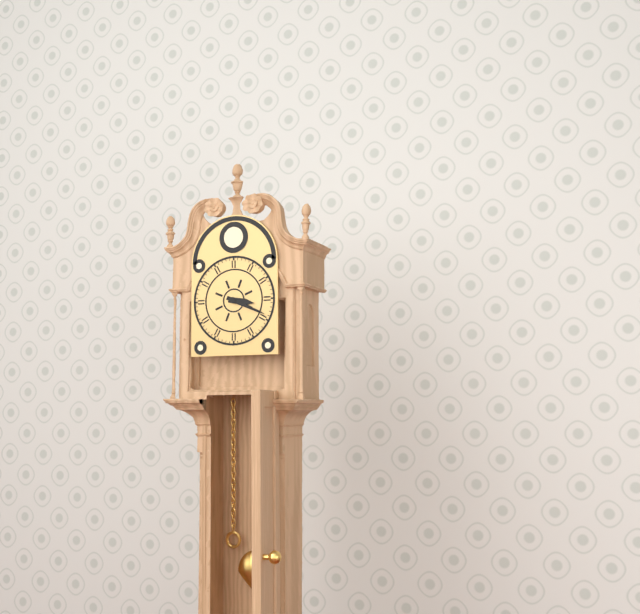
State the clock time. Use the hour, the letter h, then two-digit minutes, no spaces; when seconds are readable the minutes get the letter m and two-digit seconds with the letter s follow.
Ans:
3h19
